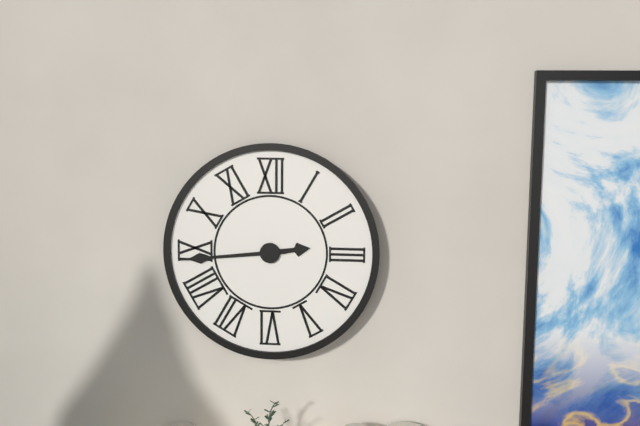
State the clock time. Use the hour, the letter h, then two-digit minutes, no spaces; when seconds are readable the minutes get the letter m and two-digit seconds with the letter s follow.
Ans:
2h44
